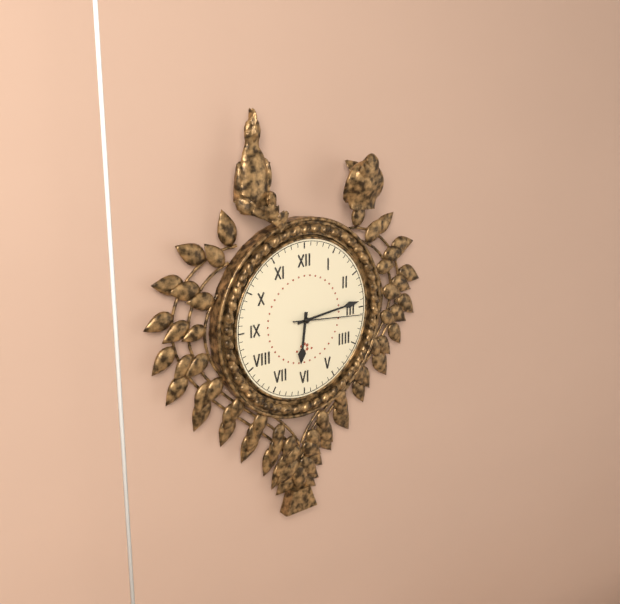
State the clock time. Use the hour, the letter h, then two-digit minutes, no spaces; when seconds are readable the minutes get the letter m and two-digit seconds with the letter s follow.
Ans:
6h14m16s
